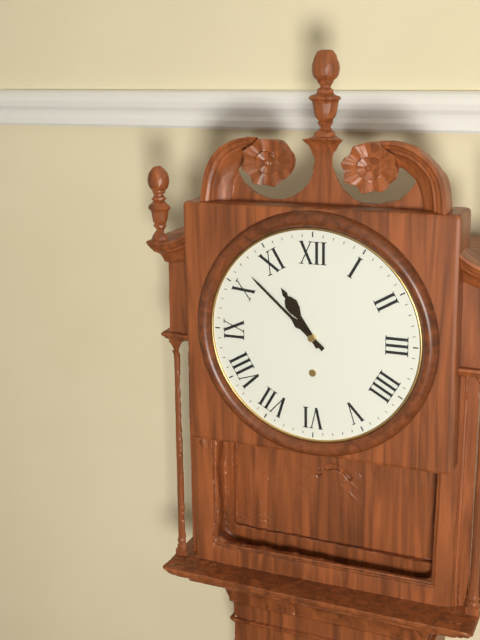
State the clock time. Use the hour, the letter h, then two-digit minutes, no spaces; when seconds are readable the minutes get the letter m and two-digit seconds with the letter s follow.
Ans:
10h52
